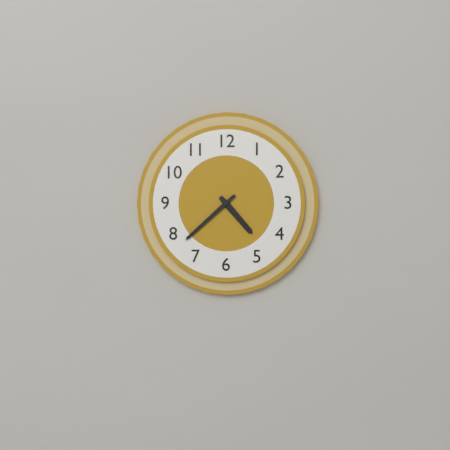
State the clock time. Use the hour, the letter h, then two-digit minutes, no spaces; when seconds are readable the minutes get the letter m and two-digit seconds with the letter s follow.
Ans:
4h38
